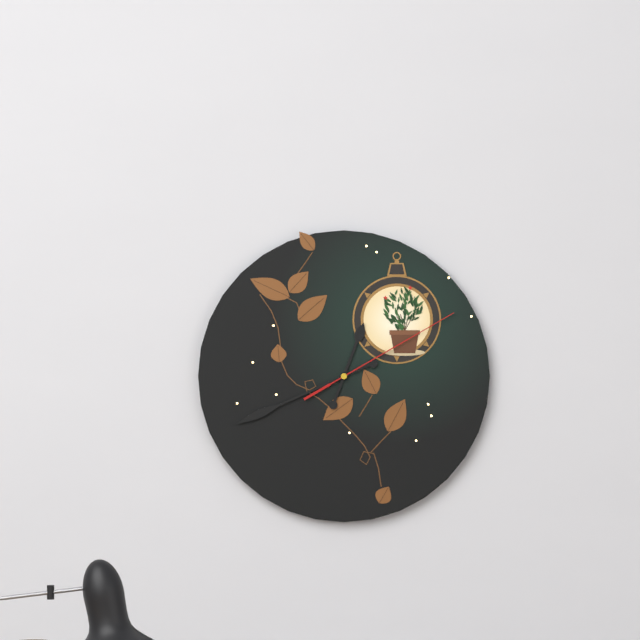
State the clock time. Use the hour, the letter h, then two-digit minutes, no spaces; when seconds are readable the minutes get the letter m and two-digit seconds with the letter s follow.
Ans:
12h41m10s
